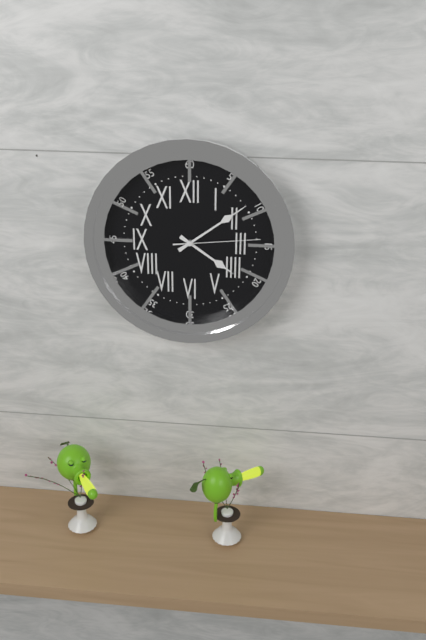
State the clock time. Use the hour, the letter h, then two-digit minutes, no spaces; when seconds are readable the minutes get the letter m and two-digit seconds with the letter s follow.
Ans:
4h09m14s
